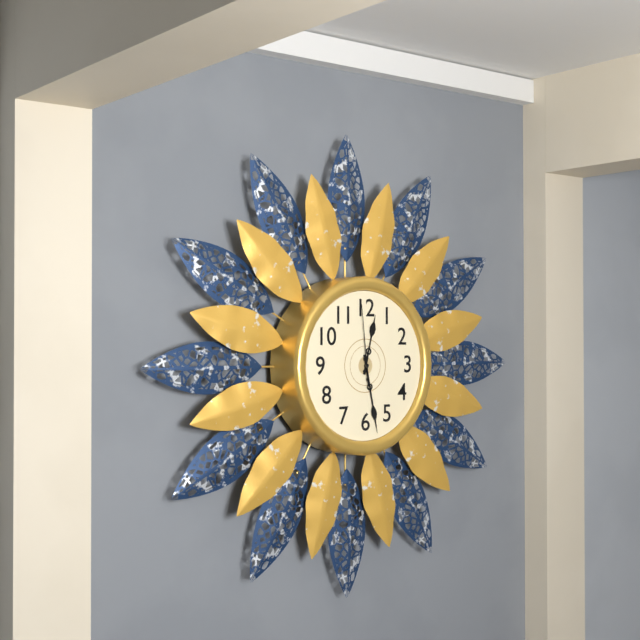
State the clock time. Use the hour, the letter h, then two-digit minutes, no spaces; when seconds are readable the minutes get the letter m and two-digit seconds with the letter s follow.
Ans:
12h28m59s
